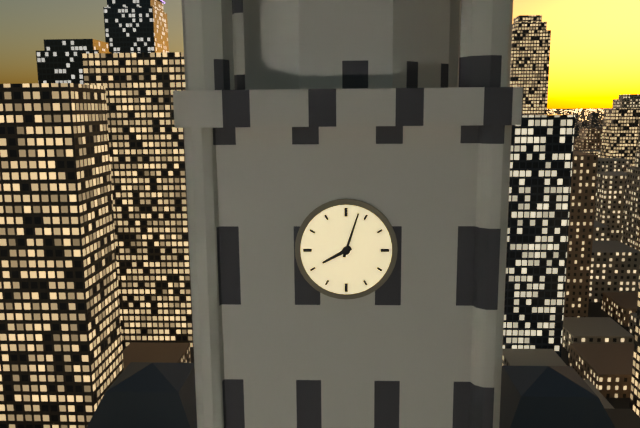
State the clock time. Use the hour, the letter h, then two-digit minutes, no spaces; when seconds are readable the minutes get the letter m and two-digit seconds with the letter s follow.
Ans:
8h03
